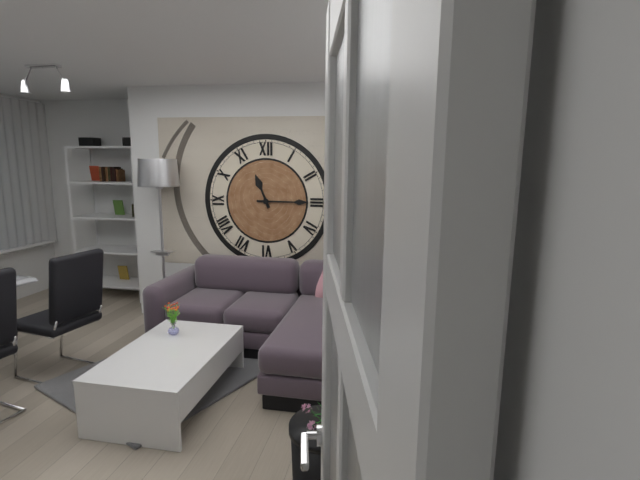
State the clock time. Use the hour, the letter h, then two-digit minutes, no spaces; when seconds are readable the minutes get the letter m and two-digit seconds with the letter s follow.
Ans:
11h15
